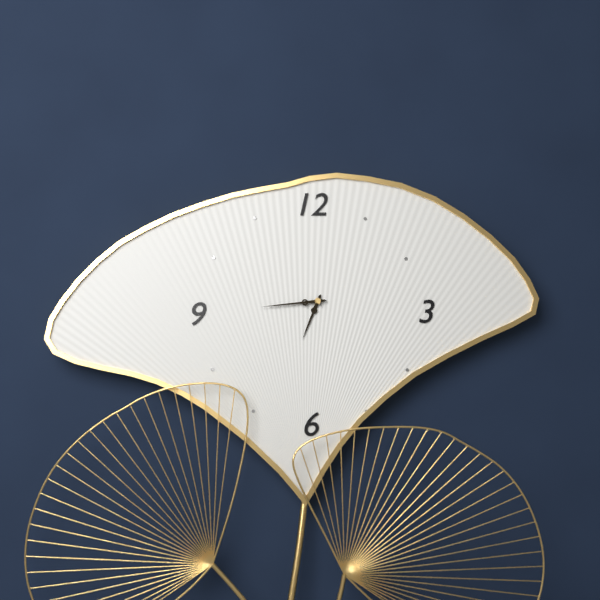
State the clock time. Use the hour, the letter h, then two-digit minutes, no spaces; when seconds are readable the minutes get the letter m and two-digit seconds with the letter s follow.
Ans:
6h44
